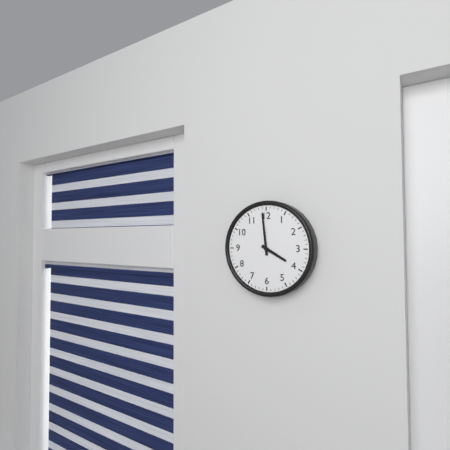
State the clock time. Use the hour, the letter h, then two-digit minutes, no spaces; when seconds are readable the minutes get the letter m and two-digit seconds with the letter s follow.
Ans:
3h59
